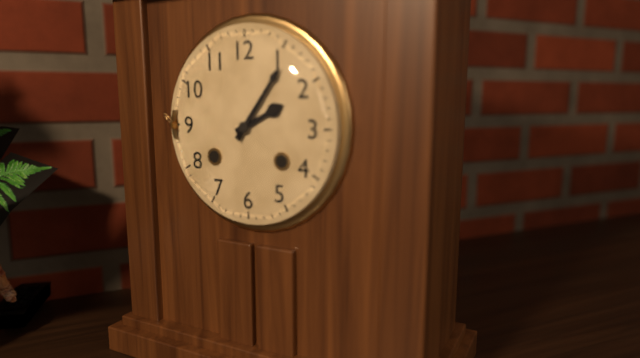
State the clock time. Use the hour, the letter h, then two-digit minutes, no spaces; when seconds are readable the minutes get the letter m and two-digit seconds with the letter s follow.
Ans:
2h06
